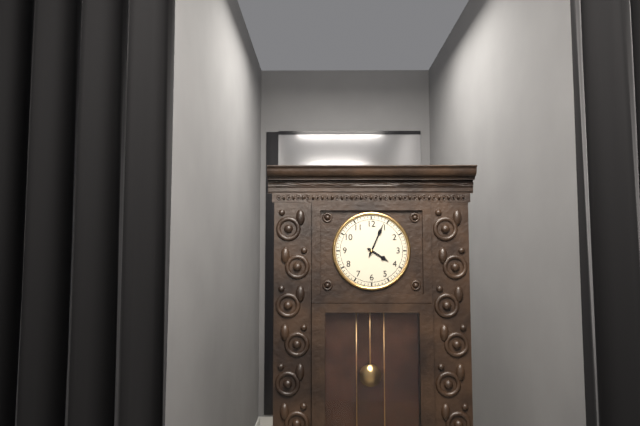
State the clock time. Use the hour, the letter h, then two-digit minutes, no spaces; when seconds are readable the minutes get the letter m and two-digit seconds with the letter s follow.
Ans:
4h04
